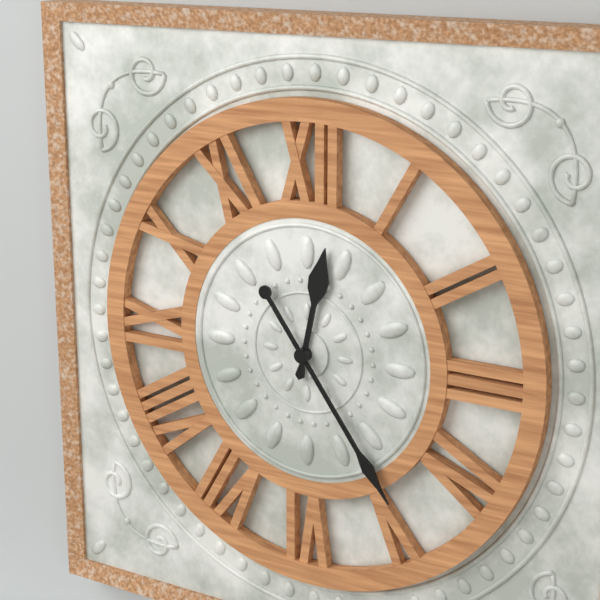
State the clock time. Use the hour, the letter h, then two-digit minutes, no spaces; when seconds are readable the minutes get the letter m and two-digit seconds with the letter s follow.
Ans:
12h24
